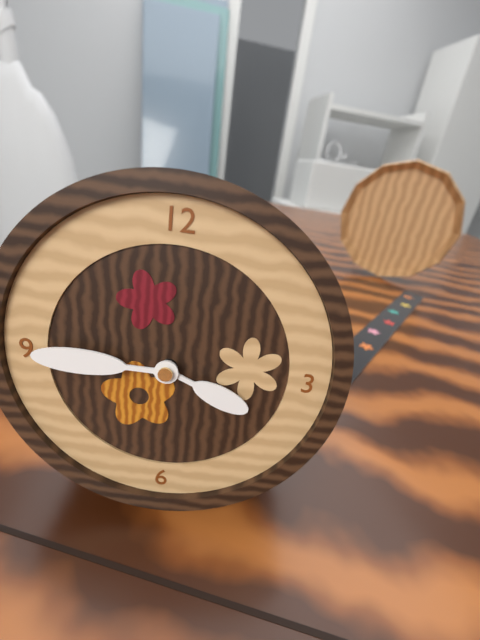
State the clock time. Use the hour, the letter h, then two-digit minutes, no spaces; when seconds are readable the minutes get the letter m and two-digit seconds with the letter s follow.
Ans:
3h45
